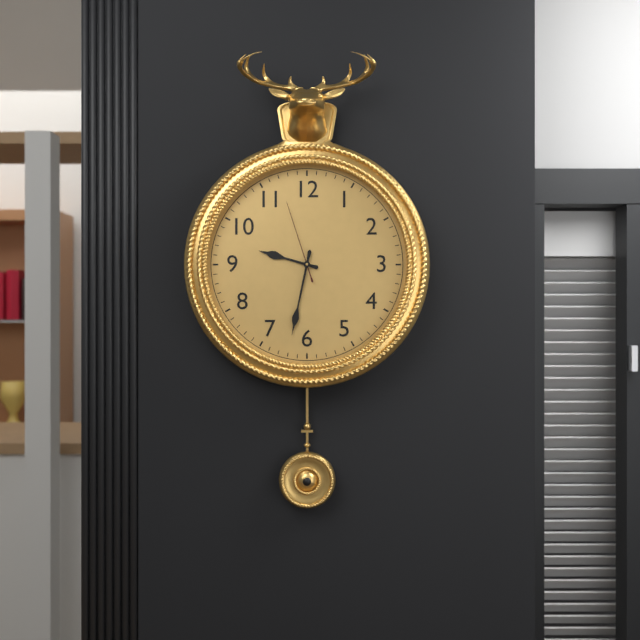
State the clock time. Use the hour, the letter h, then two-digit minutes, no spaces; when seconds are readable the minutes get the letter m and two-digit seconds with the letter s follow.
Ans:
9h32m57s
